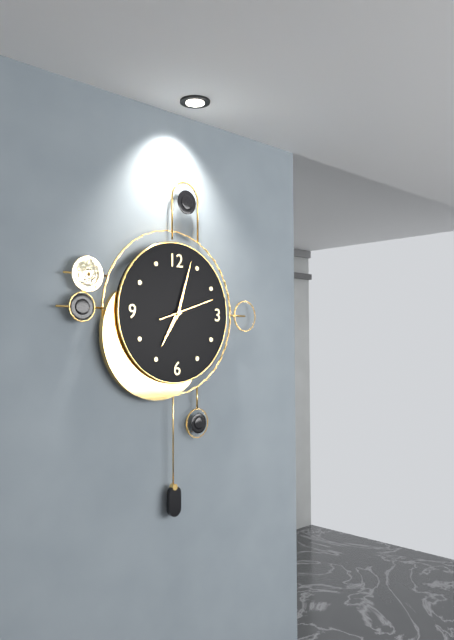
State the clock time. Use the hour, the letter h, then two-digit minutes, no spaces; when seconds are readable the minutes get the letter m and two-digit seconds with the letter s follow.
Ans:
7h03
